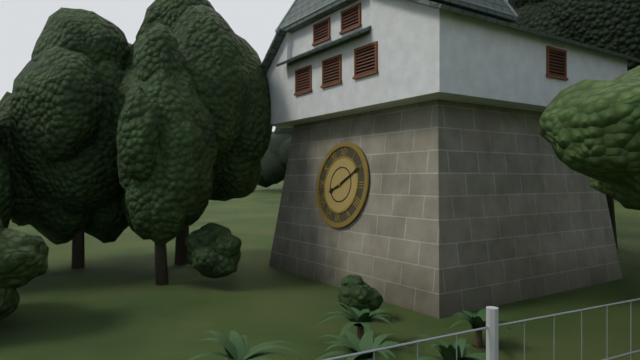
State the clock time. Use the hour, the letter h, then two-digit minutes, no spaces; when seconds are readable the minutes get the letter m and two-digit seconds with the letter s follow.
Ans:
8h10
